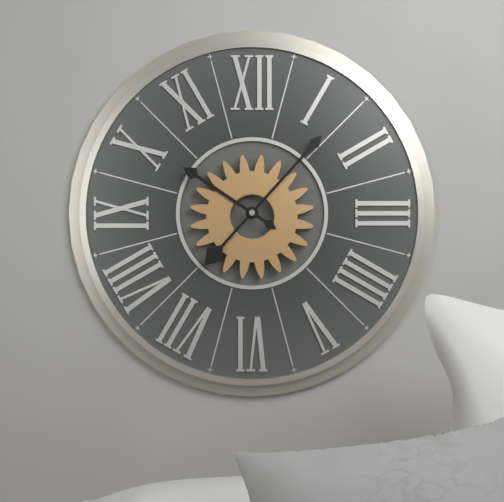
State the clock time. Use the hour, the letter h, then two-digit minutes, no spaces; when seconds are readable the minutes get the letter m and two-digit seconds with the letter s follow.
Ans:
10h07
